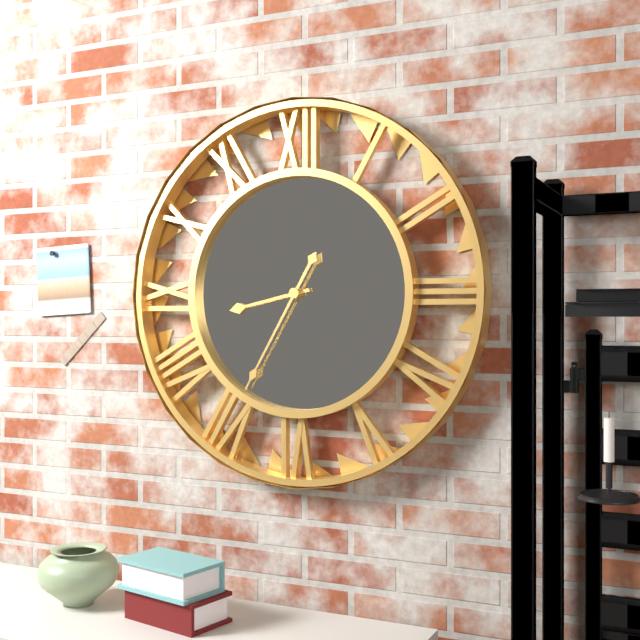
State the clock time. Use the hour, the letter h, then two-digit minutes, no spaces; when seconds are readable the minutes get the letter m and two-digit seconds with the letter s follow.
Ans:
8h35
